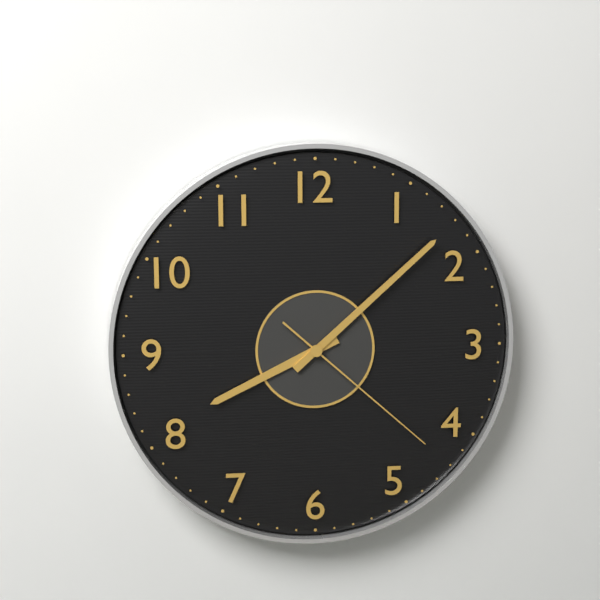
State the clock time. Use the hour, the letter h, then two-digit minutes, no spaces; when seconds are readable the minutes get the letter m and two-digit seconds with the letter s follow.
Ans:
8h08m22s
